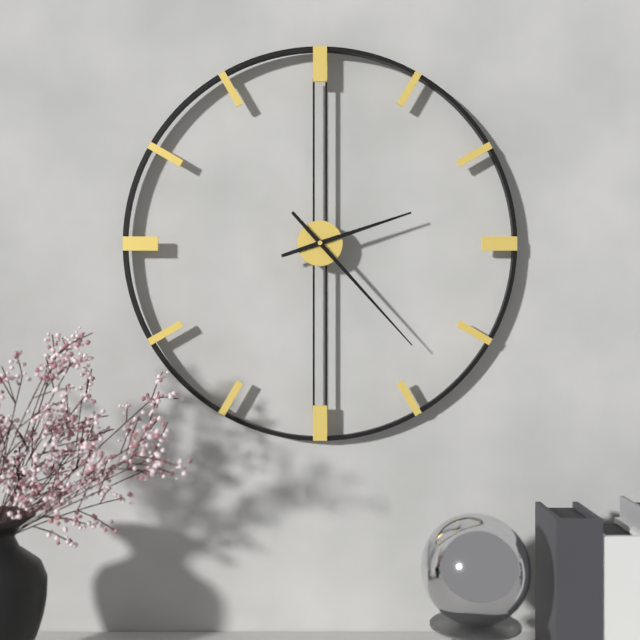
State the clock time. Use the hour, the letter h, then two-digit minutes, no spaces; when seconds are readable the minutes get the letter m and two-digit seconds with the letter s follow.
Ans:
2h23
